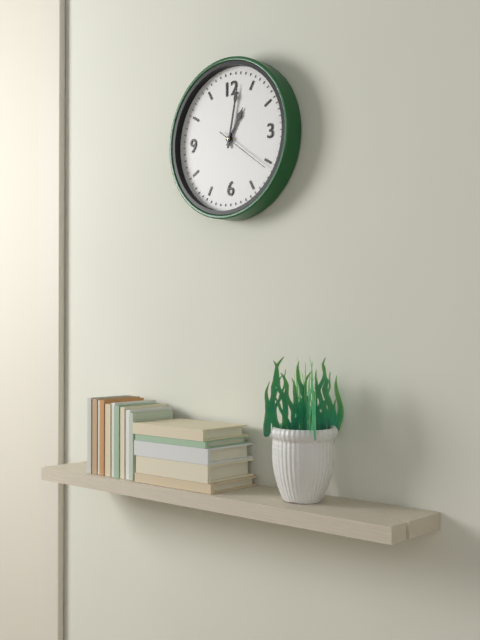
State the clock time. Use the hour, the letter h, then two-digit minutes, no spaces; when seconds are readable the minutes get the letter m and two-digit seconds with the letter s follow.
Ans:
1h02m21s
